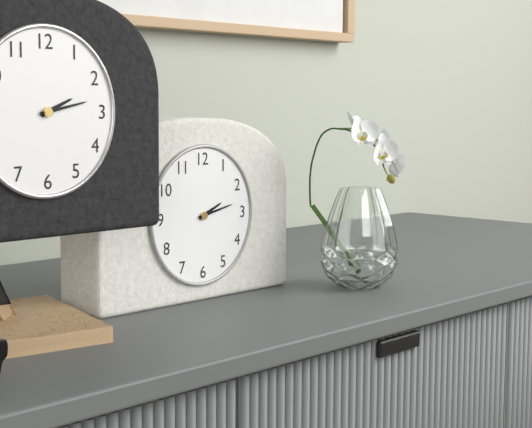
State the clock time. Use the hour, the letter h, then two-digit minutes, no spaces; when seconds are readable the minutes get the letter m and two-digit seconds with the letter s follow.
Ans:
2h13
